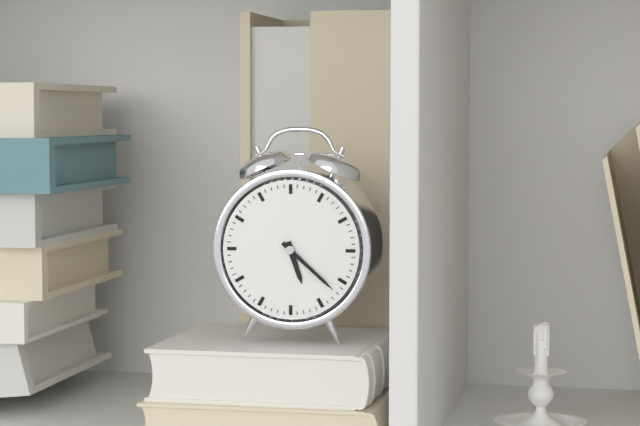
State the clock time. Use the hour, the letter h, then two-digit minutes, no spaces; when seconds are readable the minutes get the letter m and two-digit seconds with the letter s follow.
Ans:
5h22
